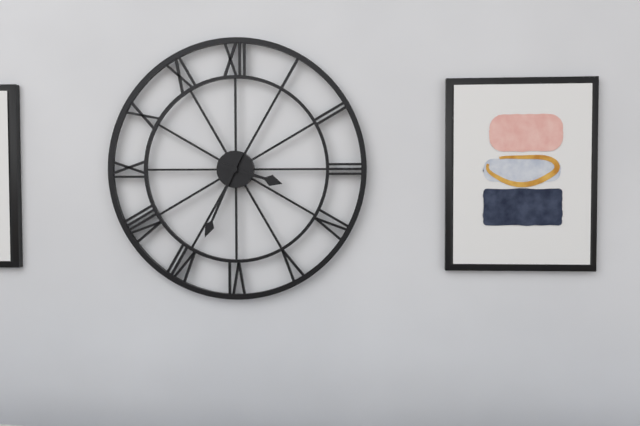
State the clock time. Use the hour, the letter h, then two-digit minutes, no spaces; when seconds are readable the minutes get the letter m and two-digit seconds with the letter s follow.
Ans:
3h34
